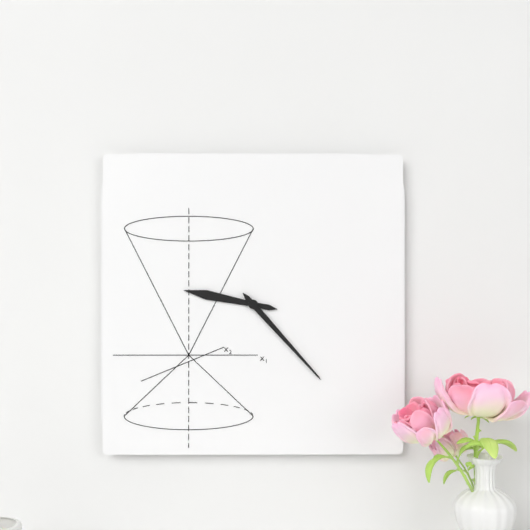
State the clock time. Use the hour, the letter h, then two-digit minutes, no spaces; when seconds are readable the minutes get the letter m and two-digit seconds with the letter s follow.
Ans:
9h23
